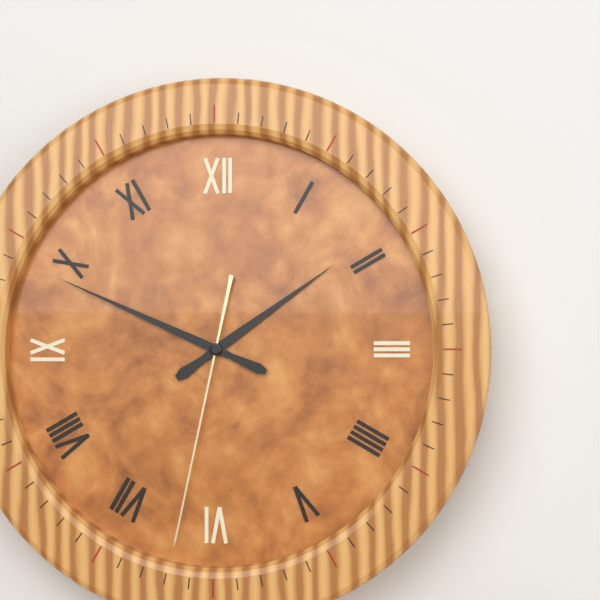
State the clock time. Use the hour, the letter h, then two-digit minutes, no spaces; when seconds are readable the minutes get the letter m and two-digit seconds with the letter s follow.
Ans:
1h49m32s
